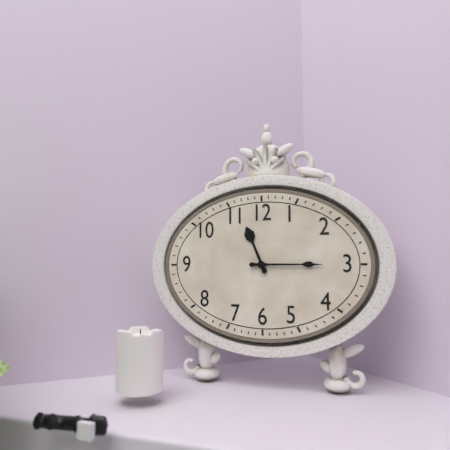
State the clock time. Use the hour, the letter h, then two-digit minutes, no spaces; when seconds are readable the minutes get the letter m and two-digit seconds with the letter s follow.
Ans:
11h15
